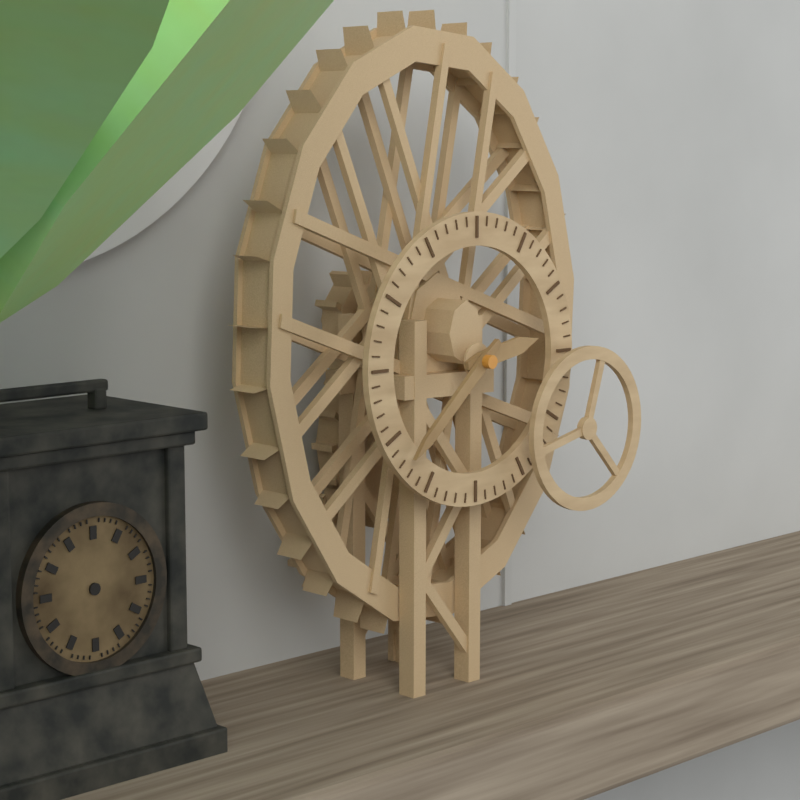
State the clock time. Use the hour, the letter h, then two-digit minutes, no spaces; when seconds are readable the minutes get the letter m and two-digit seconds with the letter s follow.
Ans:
2h38
